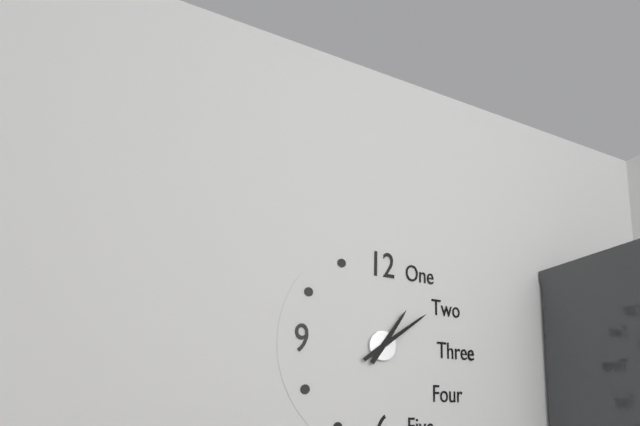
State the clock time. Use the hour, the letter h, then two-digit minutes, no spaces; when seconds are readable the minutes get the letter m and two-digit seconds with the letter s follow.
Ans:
1h09
